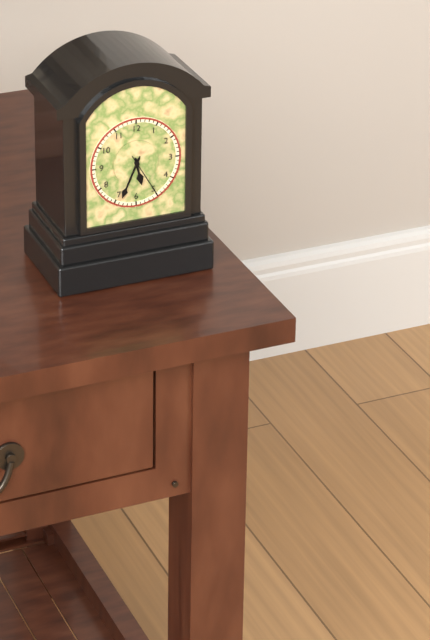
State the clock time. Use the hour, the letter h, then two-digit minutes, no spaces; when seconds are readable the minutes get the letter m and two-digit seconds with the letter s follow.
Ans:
5h34
